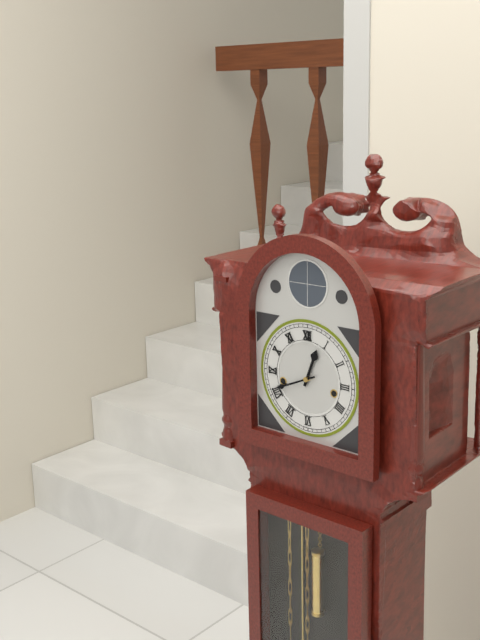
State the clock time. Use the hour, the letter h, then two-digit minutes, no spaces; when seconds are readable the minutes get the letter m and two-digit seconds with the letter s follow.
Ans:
12h41
